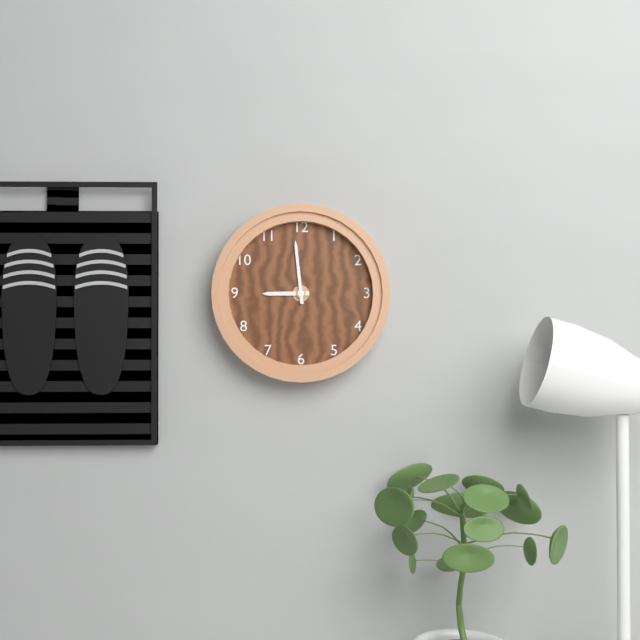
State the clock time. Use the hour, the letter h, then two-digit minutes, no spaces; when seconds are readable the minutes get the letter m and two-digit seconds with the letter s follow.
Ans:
8h59
